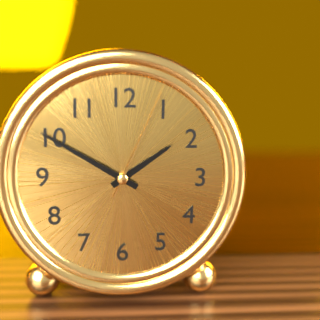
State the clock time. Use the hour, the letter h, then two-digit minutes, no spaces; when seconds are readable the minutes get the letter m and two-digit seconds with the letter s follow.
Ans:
1h50m04s
